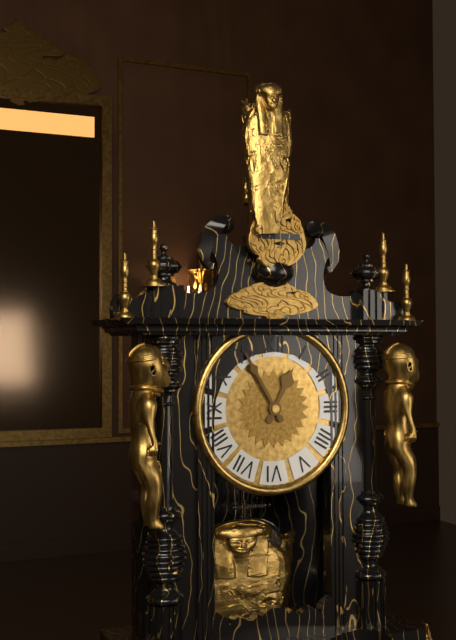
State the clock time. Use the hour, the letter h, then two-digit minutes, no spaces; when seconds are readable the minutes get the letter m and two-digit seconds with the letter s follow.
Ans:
12h55
